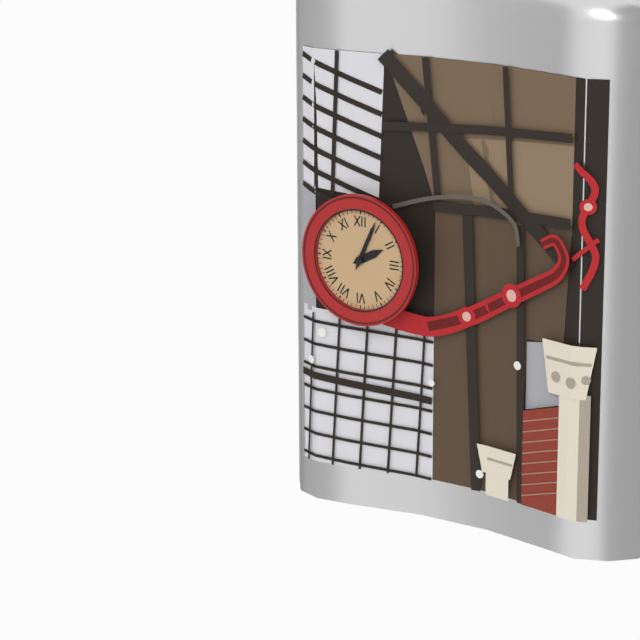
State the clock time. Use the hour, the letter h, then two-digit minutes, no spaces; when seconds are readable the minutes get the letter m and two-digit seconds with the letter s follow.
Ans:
2h04
